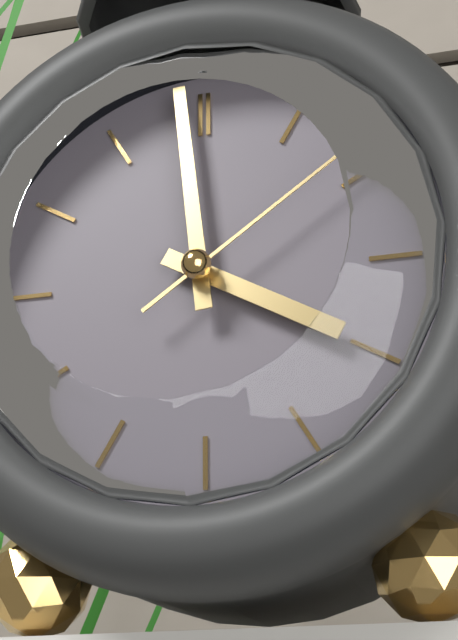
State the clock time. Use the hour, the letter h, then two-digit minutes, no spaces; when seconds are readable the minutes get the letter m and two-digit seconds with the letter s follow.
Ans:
3h59m09s
